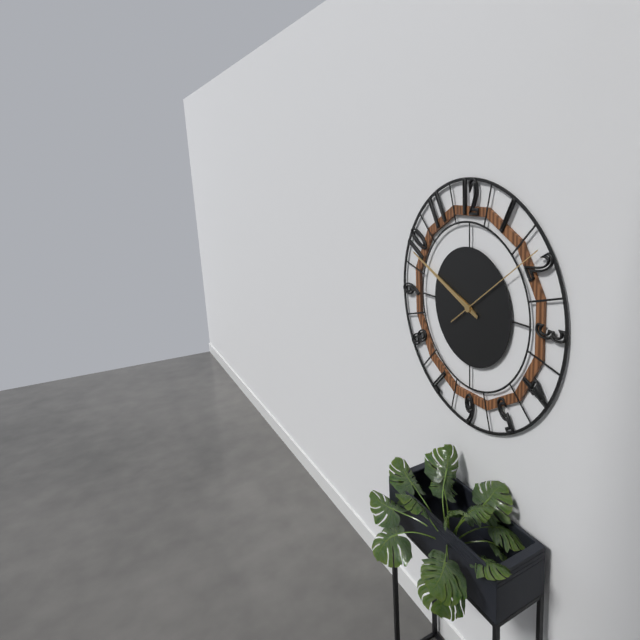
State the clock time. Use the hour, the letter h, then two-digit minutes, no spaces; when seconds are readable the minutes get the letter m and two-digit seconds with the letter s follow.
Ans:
9h49m09s
